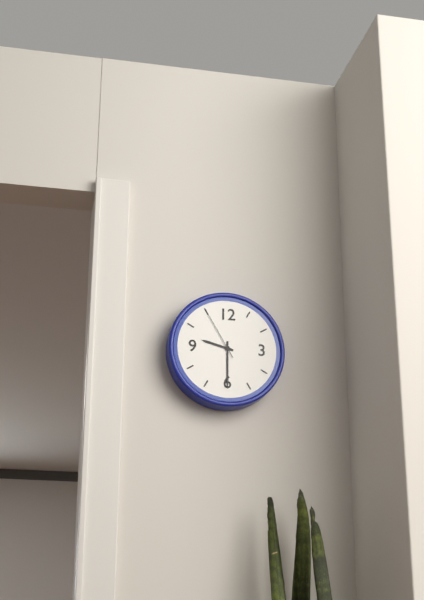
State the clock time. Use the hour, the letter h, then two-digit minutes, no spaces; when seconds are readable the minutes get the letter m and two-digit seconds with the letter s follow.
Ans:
9h30m55s
